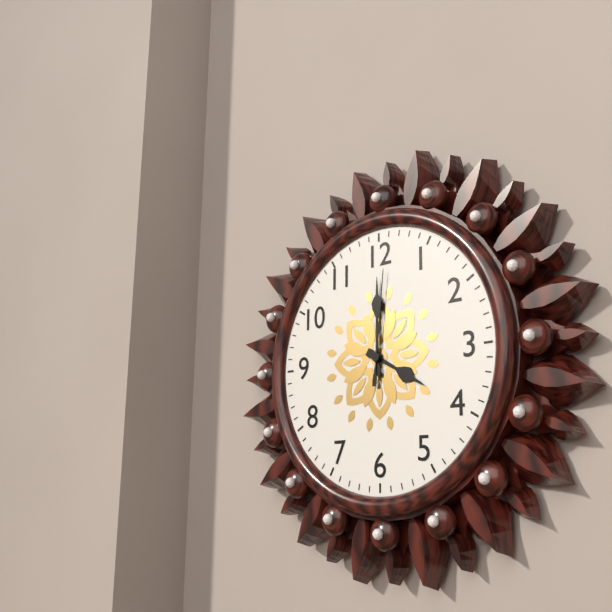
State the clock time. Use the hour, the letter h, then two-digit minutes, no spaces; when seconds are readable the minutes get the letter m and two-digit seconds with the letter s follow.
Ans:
4h00m01s
